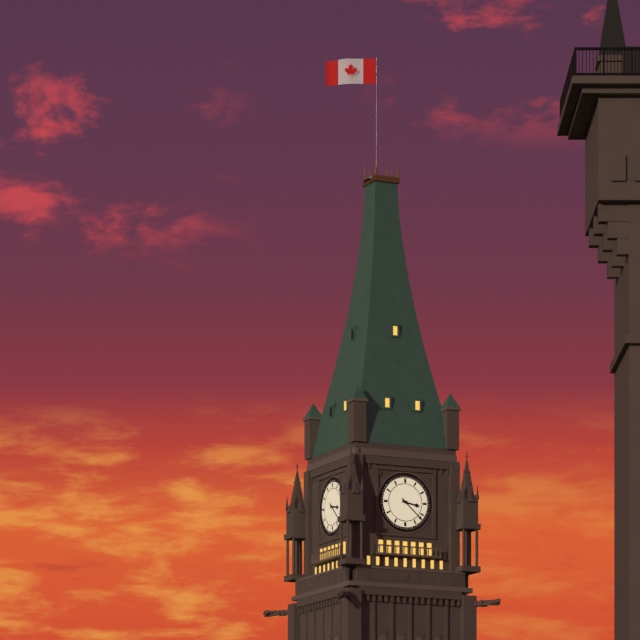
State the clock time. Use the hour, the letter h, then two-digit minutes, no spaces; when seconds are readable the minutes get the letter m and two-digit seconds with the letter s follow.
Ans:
3h22
